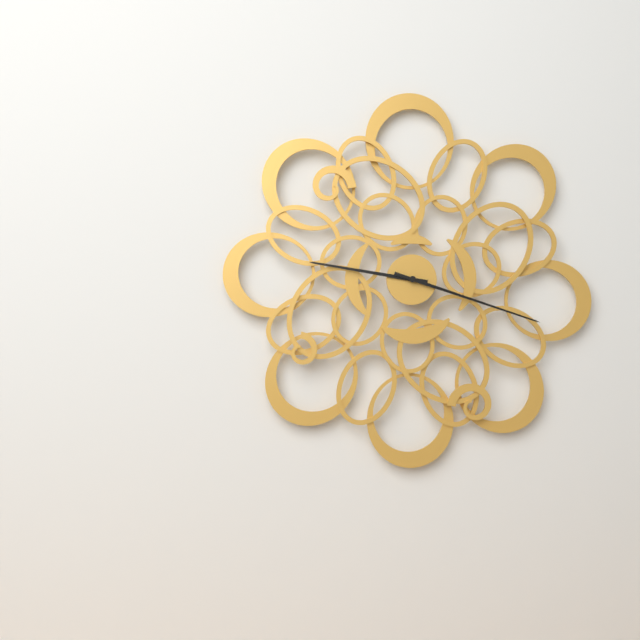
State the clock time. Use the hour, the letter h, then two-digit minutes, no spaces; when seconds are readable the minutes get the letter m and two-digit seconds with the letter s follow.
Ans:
9h18
